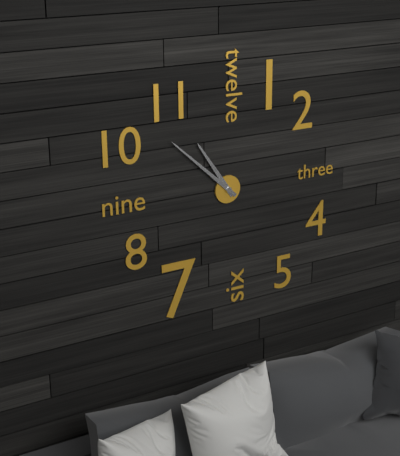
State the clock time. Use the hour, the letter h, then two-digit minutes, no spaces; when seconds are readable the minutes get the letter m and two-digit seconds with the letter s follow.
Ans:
10h52
